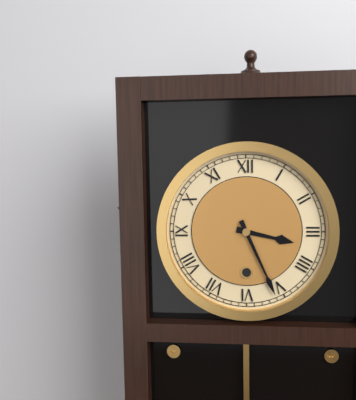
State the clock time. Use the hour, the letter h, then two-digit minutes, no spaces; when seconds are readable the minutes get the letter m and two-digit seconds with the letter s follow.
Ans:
3h26
